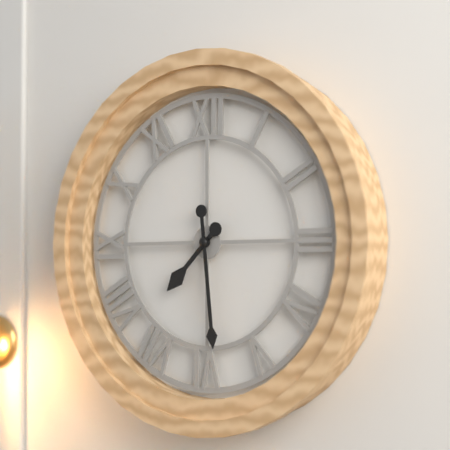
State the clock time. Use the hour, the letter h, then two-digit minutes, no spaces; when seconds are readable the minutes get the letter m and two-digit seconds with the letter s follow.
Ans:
7h29
